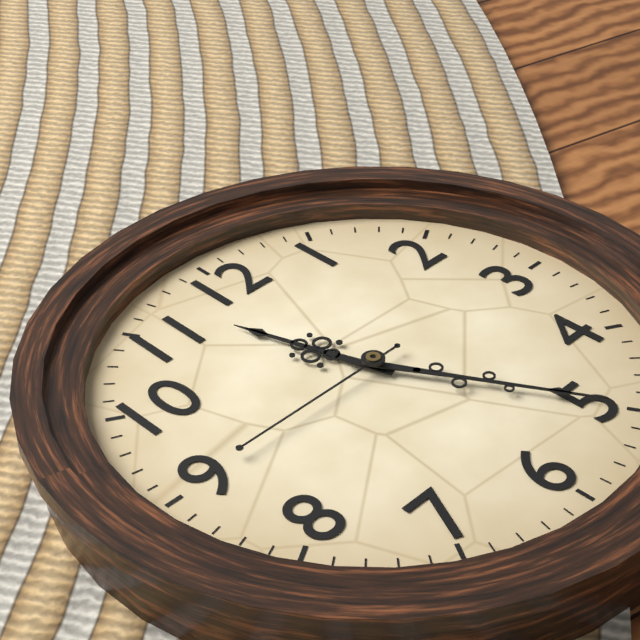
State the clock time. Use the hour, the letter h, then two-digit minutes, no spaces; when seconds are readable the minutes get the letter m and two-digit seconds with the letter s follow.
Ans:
11h25m45s
